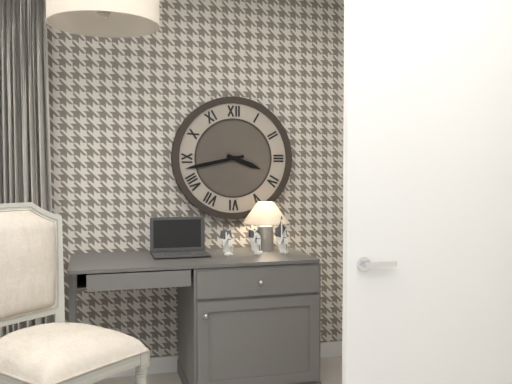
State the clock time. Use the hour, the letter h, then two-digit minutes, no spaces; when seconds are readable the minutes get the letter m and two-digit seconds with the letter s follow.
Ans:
3h43
